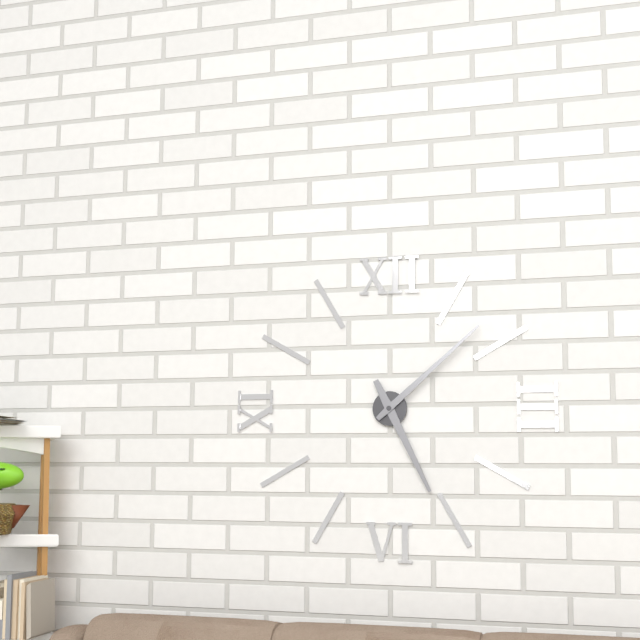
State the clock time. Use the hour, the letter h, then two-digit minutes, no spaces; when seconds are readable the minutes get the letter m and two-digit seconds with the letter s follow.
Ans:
5h08
